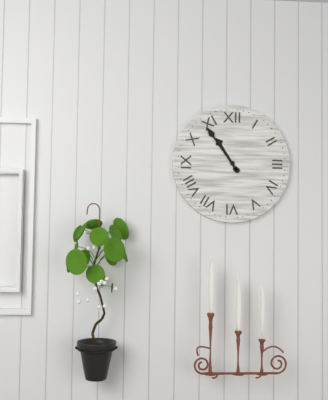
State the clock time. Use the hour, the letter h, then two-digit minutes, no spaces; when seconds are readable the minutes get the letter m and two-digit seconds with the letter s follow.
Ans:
10h54
